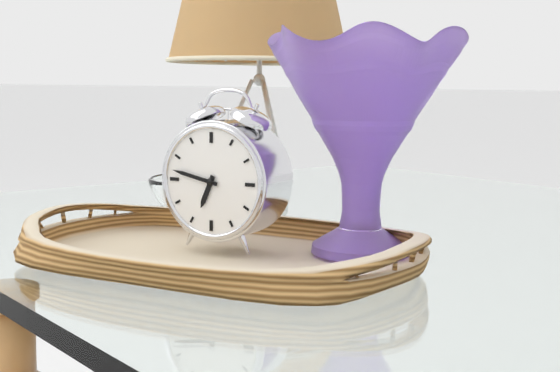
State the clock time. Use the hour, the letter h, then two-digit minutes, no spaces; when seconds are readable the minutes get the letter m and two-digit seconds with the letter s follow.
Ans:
6h47
